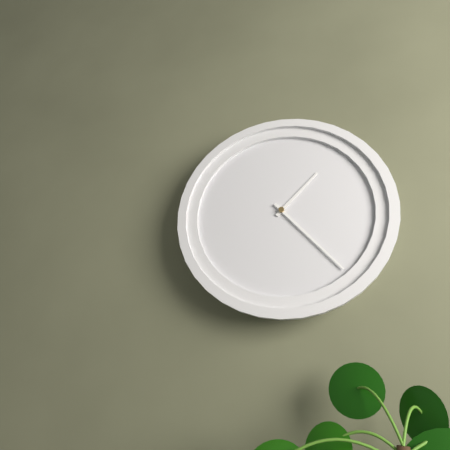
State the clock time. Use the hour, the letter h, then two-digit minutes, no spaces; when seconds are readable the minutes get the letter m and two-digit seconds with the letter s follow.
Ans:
1h23
